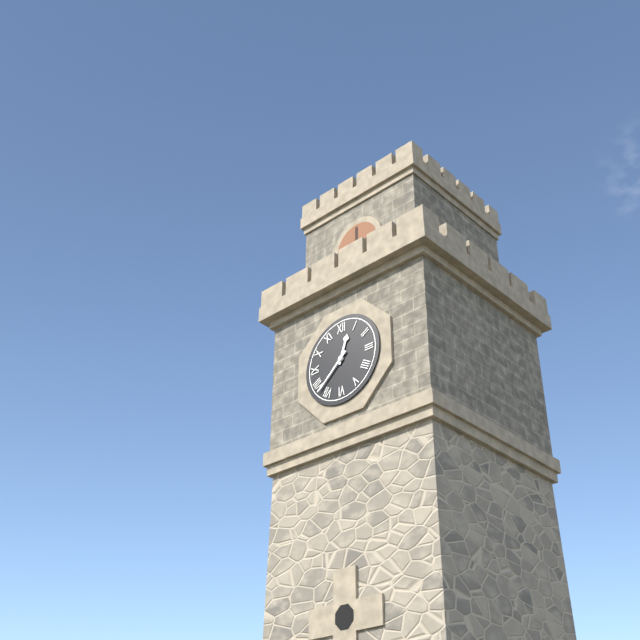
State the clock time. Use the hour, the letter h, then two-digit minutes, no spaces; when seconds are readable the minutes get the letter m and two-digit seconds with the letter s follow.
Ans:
12h38
